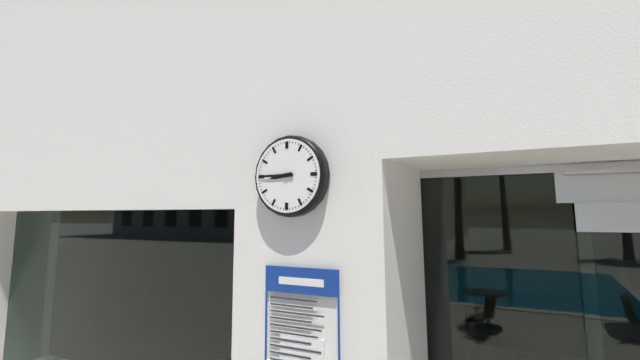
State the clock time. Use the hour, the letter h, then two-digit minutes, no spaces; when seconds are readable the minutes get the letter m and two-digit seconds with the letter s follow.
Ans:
8h45
